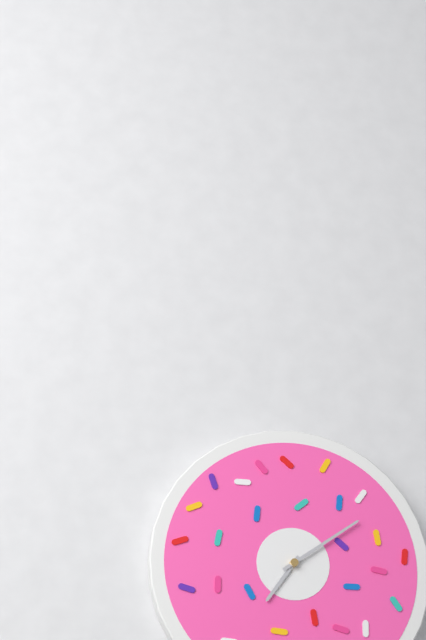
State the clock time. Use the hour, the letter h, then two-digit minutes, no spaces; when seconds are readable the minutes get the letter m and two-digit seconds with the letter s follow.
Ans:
7h09
